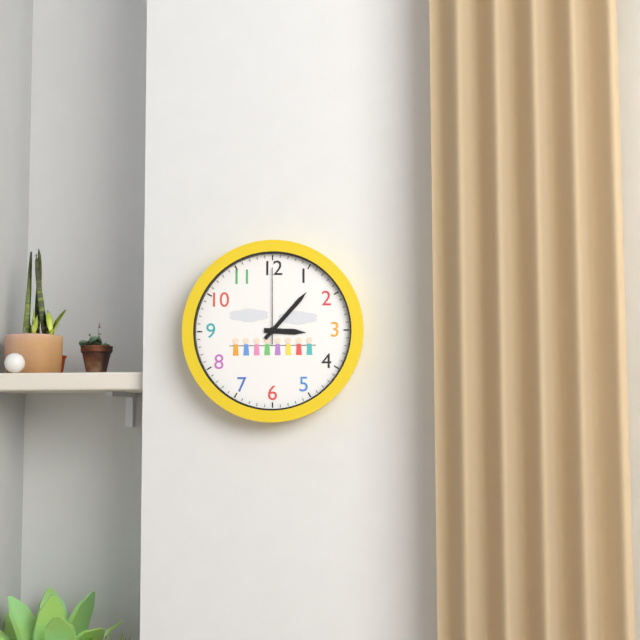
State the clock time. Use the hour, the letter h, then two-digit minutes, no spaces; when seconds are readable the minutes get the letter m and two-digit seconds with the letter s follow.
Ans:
3h07m00s
